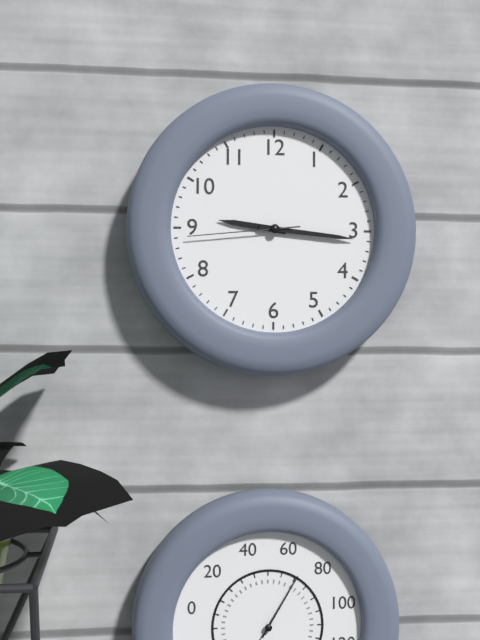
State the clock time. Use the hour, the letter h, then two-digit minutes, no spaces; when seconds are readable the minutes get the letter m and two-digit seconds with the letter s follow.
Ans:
9h16m44s
